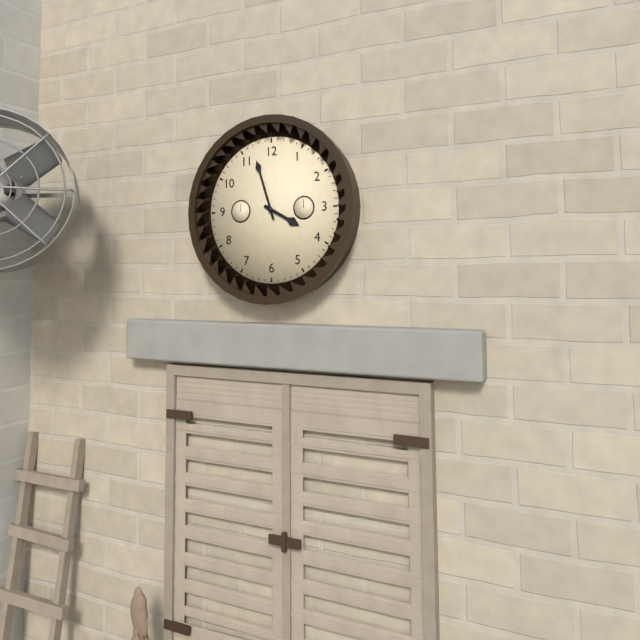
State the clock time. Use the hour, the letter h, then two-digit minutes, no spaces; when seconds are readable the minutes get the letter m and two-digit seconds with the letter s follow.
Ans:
3h57
